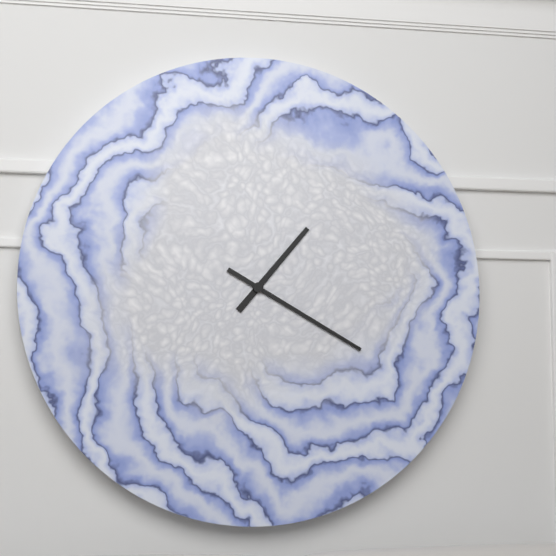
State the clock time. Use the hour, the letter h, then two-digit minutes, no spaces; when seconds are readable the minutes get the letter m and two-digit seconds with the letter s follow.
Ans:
1h20
